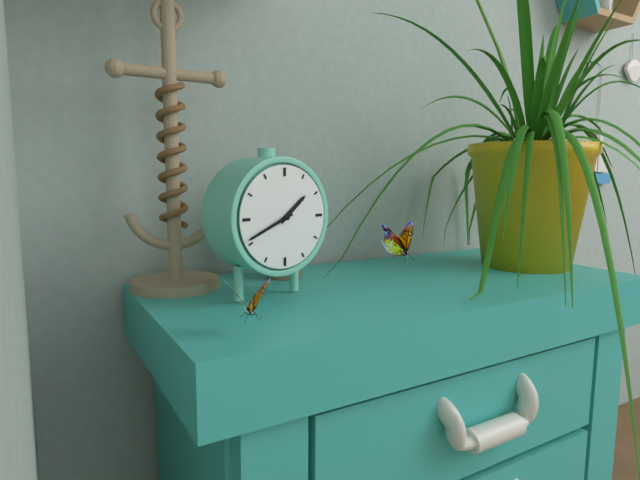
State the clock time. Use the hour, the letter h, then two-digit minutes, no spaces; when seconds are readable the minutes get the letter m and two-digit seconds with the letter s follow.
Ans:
1h41
